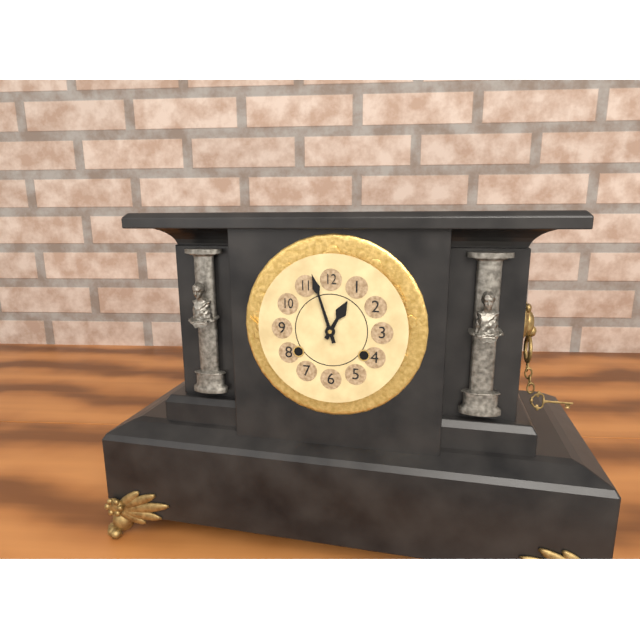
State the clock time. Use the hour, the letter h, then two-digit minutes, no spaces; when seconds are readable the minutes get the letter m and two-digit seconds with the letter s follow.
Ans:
12h57
